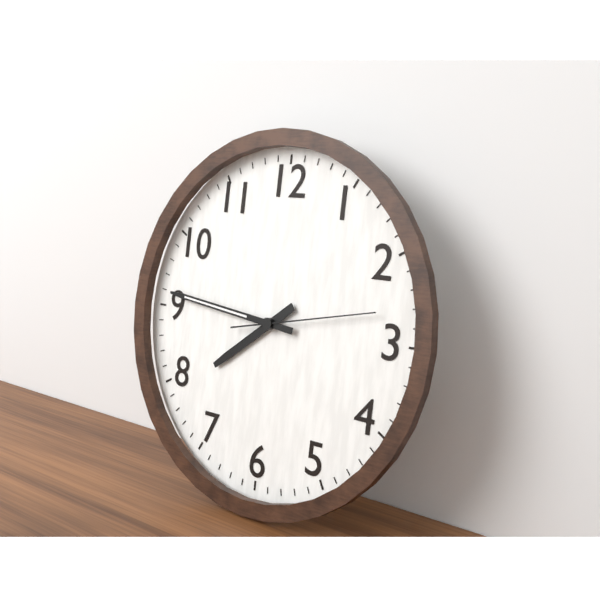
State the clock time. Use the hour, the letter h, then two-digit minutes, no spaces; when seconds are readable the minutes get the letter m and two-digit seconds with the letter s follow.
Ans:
7h46m13s
